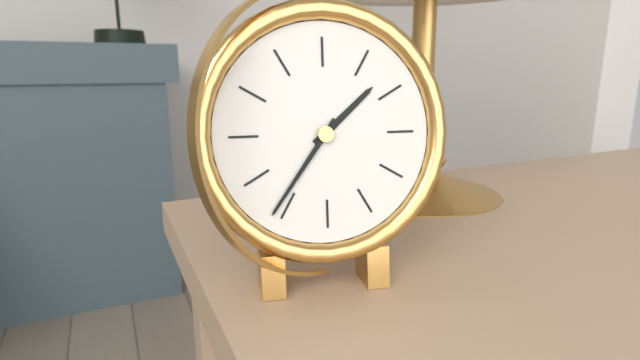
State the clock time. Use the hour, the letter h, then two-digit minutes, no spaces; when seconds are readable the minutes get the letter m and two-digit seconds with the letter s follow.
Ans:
1h36
